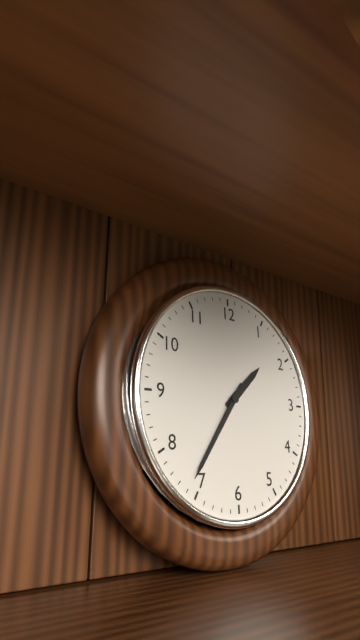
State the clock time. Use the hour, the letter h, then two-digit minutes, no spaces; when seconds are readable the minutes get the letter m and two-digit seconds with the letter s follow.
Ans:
1h36
